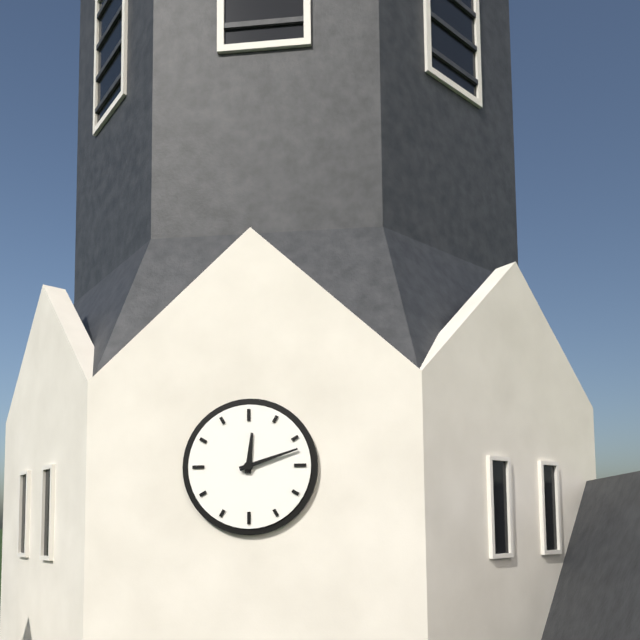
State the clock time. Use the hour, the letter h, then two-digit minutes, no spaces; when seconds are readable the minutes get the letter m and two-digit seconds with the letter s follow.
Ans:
12h12
